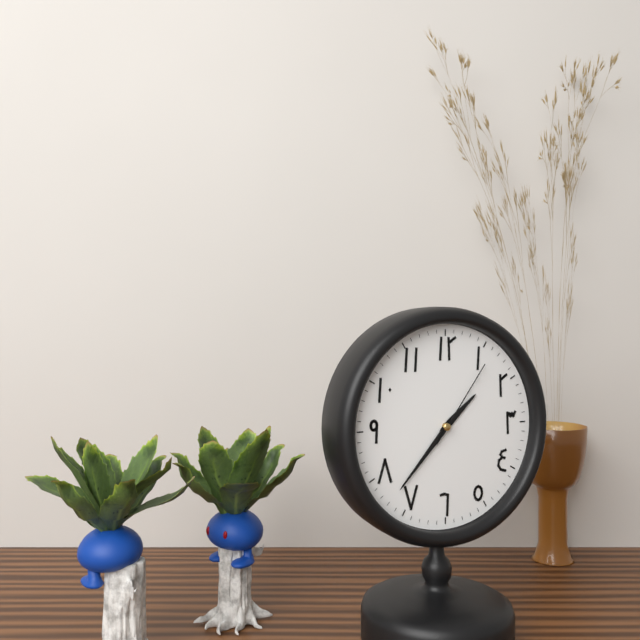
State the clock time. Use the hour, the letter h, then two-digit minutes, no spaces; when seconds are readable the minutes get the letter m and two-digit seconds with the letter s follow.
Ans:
1h37m06s
